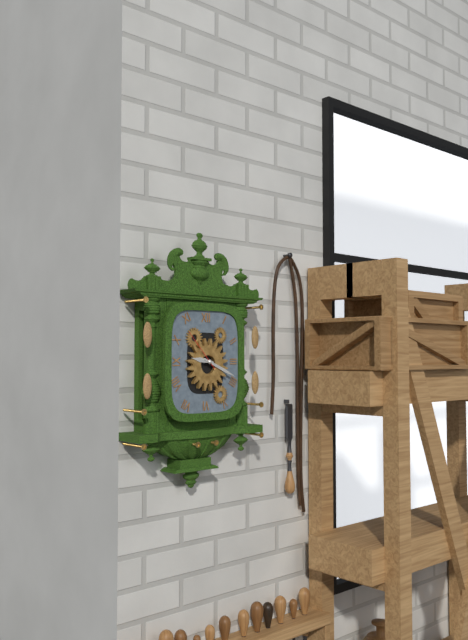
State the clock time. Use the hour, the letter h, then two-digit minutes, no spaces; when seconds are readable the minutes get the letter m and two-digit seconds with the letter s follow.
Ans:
9h19
